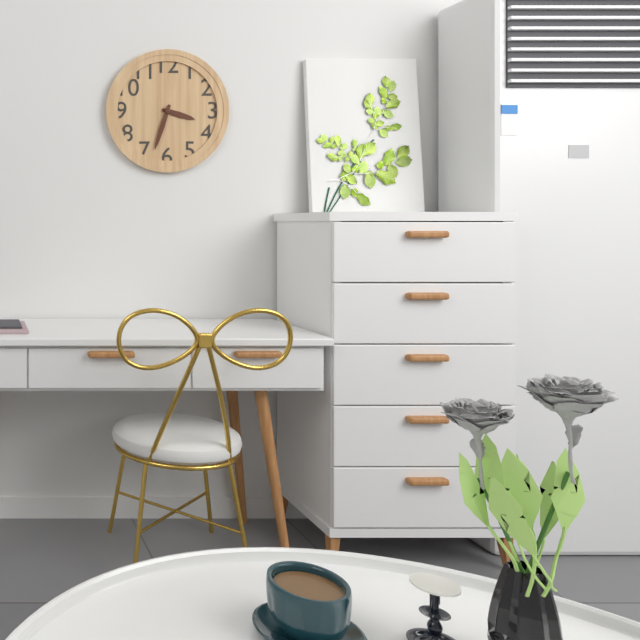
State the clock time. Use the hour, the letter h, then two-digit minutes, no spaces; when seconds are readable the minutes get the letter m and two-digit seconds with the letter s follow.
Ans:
3h33
